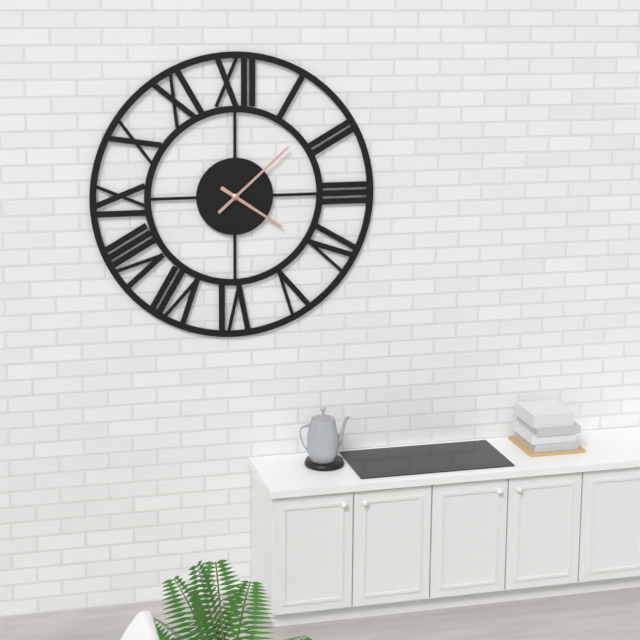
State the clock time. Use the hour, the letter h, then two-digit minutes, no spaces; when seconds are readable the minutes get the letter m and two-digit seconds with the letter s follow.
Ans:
4h08
